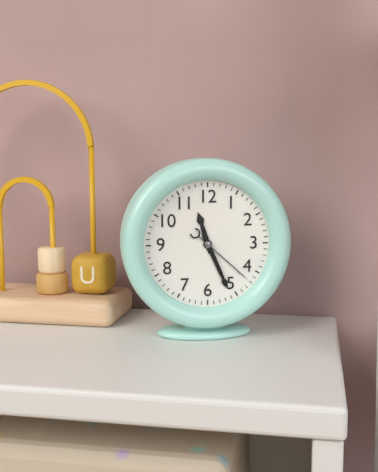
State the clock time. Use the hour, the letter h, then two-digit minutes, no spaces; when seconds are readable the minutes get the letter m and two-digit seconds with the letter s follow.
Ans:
11h26m22s
